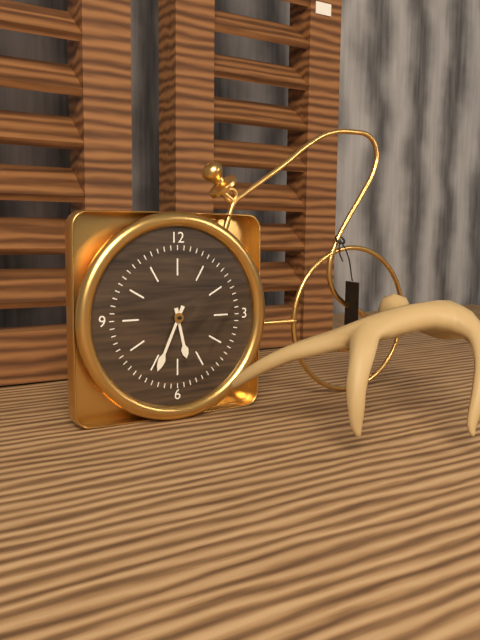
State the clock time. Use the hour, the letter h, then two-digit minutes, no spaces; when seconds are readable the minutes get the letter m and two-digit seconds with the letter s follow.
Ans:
5h34
